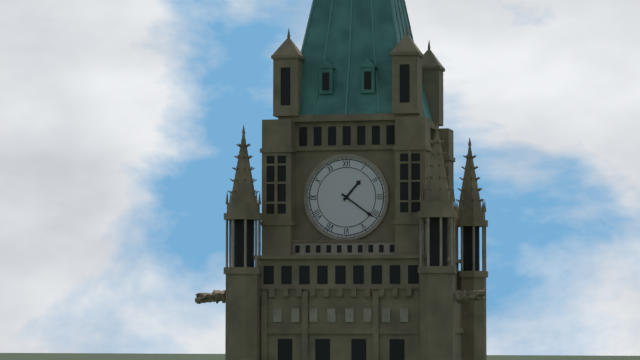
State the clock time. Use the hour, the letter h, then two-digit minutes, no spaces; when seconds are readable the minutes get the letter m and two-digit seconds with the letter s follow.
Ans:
1h21
